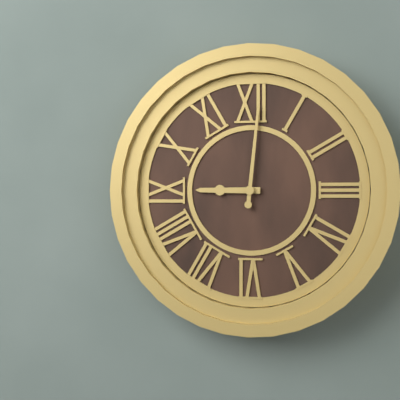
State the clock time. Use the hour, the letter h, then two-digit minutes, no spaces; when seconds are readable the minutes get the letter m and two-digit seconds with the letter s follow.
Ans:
9h01
